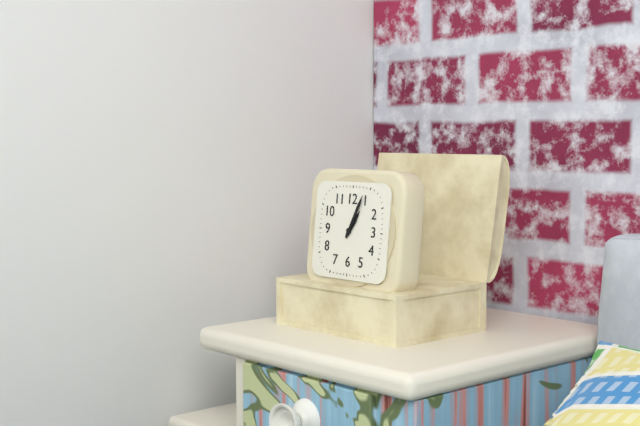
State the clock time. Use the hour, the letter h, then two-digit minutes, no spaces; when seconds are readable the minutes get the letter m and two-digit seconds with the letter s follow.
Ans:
1h04
